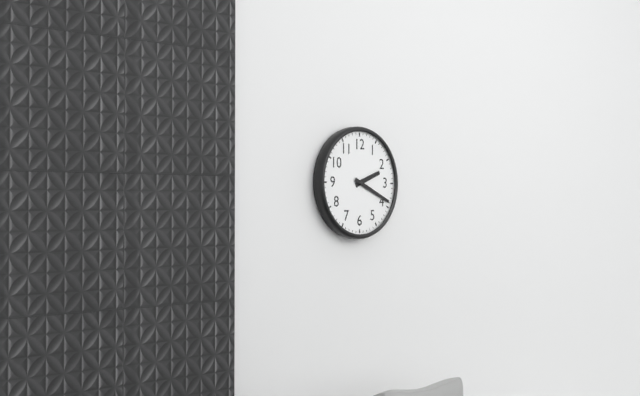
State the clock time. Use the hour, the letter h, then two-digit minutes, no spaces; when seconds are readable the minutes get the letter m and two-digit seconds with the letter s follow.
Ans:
2h19
